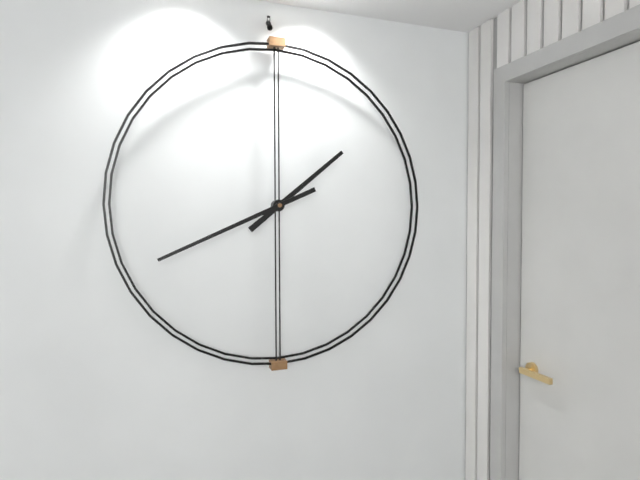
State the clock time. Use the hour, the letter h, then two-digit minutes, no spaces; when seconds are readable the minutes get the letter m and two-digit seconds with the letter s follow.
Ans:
1h41
